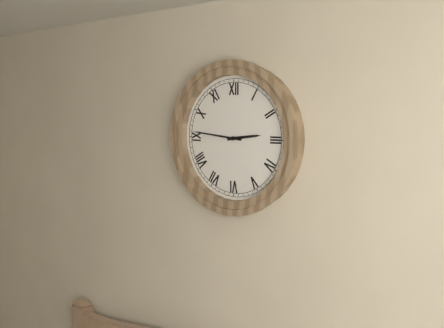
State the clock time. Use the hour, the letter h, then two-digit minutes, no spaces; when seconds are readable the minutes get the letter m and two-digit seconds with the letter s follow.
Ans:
2h46
